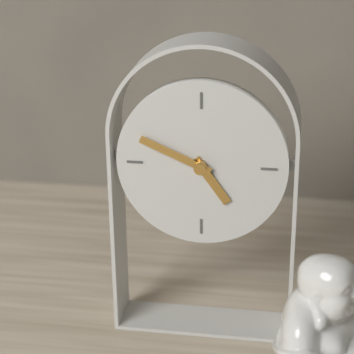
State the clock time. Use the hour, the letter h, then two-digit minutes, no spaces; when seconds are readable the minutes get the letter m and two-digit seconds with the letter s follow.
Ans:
4h49
